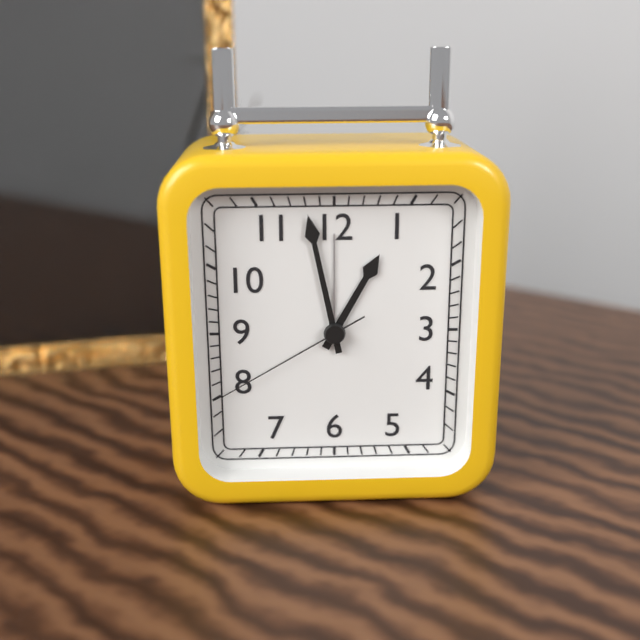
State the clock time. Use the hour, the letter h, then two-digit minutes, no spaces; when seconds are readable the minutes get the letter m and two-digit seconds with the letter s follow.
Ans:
12h58m40s
